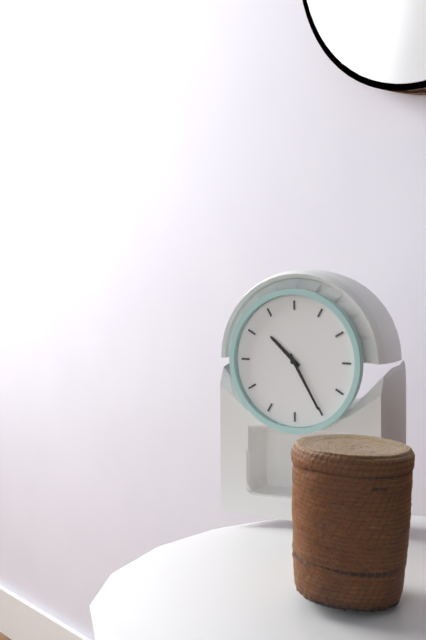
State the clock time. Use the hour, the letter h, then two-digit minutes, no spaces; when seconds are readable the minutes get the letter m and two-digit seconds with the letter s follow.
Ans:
10h25
